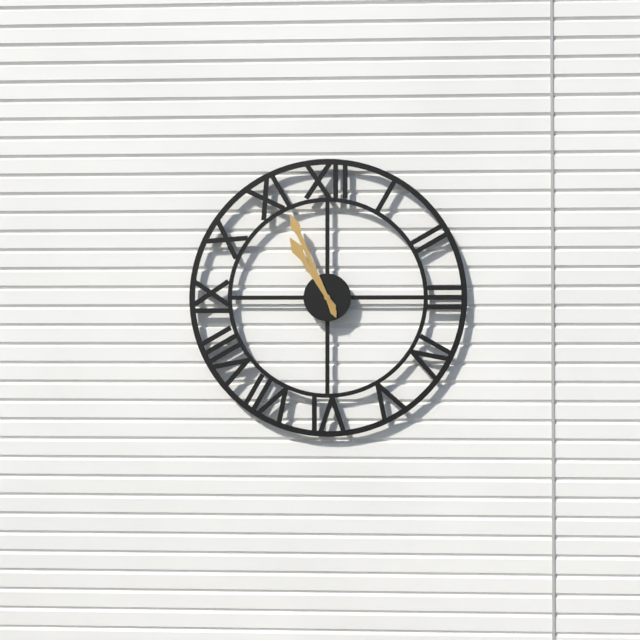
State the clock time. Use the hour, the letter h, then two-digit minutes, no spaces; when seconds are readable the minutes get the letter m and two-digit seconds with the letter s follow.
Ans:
10h56
